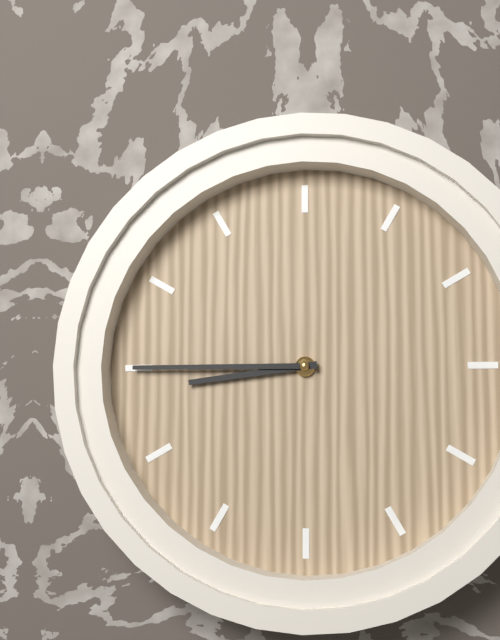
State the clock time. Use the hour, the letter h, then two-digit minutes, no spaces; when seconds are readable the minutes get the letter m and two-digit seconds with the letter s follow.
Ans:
8h45
